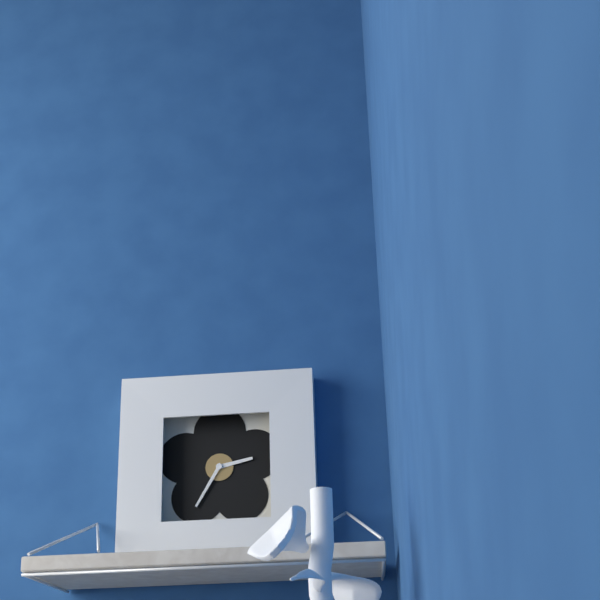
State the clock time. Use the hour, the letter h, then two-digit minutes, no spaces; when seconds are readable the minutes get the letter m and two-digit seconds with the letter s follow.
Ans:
2h35
